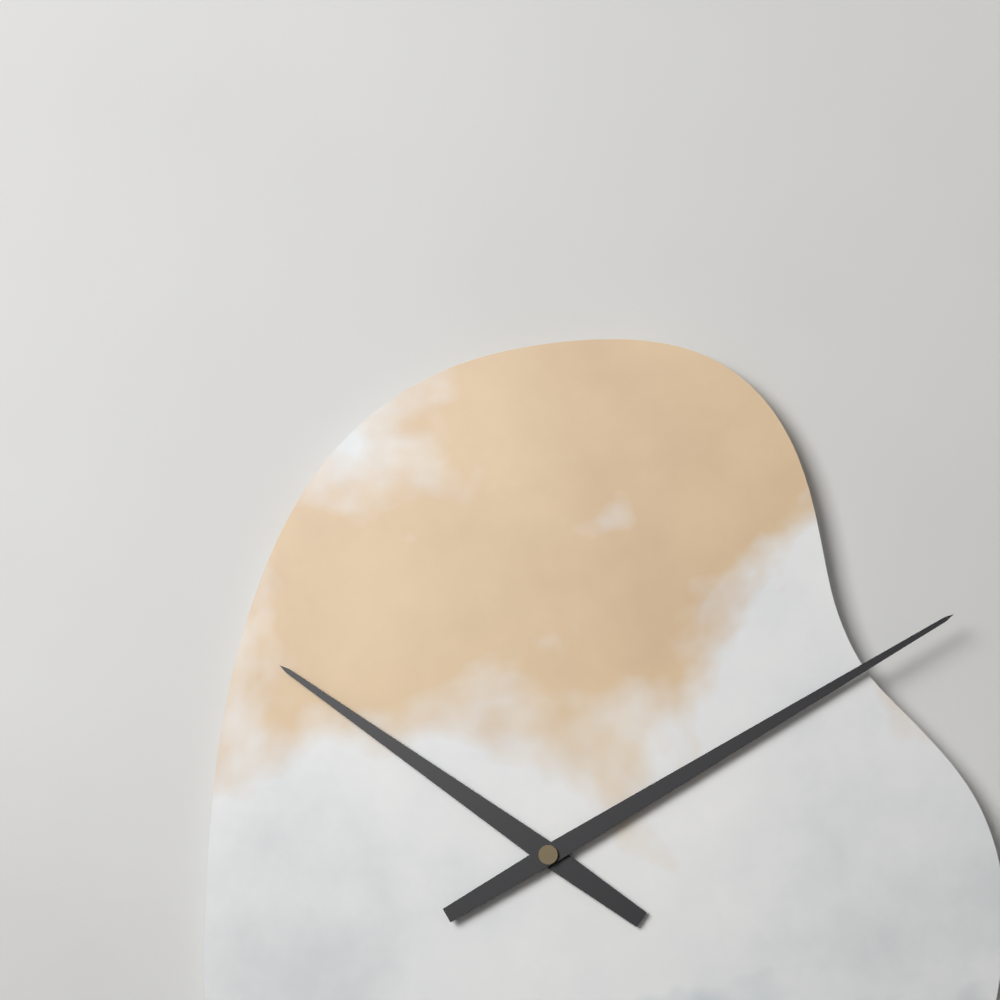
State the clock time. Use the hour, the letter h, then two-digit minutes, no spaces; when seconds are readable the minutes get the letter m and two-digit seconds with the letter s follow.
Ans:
10h10
